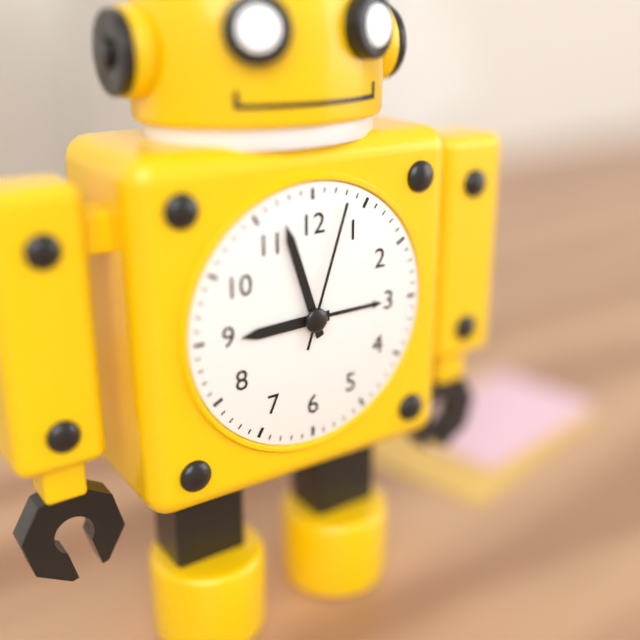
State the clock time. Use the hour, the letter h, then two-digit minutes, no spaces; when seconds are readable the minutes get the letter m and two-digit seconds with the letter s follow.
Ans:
8h57m03s
